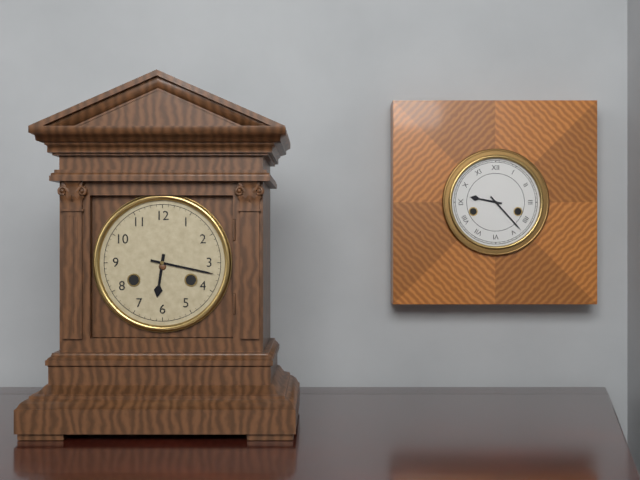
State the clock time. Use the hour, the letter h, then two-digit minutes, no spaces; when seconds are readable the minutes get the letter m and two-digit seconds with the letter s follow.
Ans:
6h17
